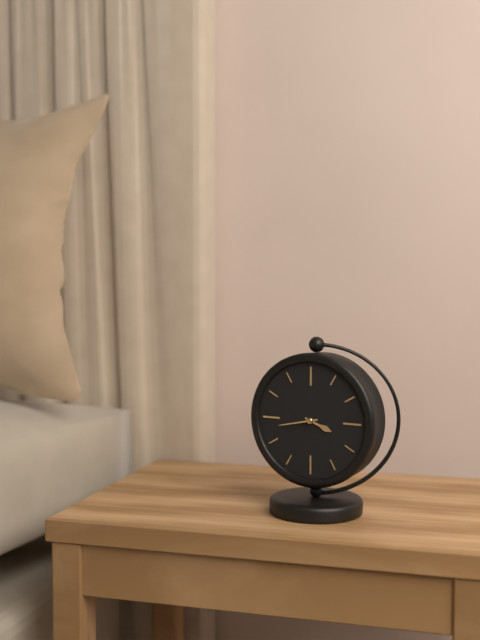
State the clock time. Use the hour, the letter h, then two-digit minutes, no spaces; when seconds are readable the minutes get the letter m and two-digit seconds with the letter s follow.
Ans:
3h43
